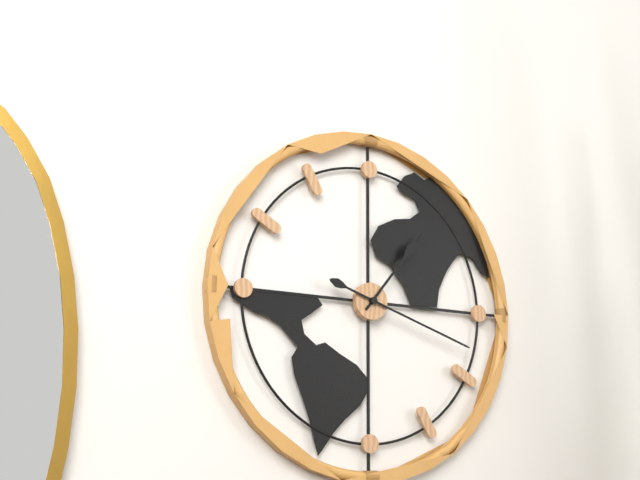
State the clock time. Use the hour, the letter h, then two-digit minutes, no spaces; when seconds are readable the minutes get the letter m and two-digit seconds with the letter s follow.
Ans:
1h18
